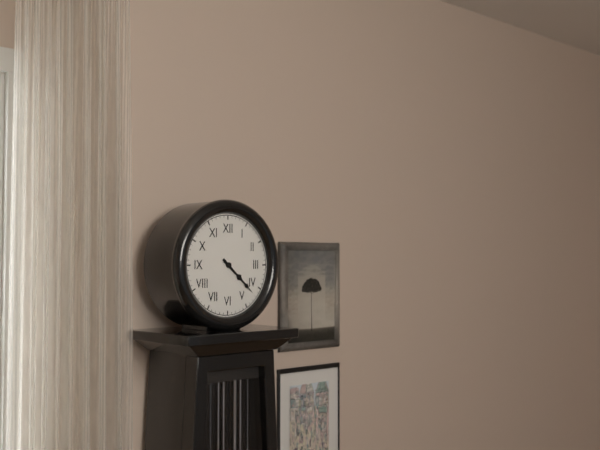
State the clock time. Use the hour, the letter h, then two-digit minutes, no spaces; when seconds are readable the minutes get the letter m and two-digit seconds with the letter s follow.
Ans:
4h22
